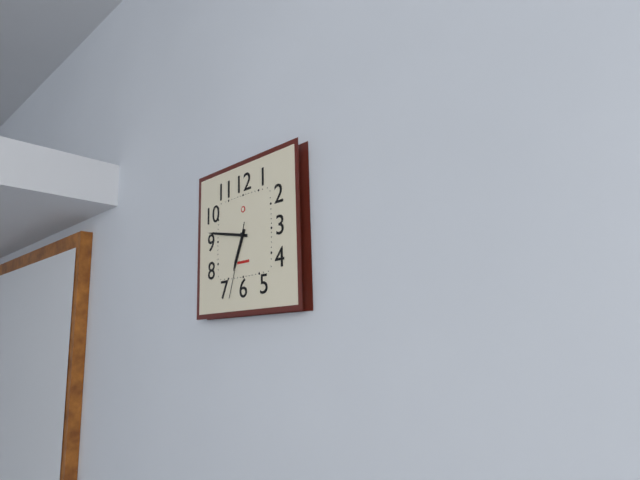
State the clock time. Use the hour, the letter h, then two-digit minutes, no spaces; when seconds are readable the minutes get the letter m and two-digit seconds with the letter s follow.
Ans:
6h47m33s
